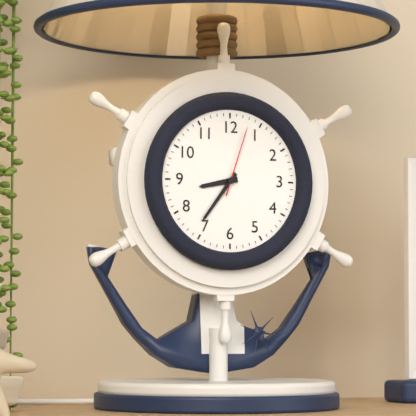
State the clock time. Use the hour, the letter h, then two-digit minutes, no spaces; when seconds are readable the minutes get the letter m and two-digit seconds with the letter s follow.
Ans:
8h36m03s
